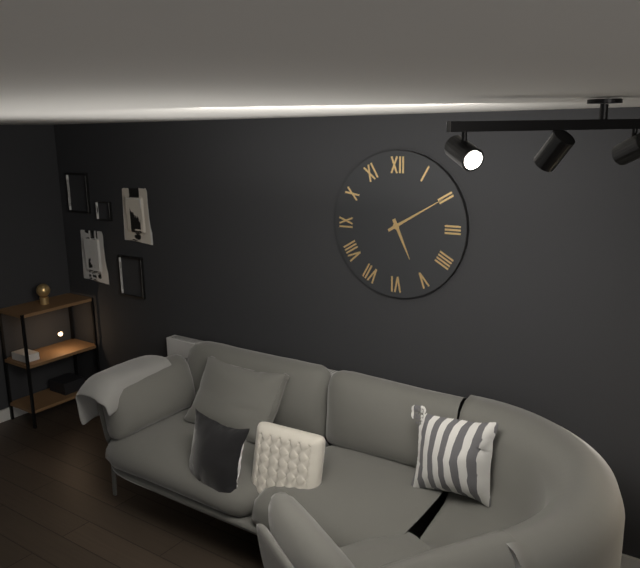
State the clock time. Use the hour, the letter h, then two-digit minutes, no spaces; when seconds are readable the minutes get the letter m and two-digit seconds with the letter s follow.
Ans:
5h10
